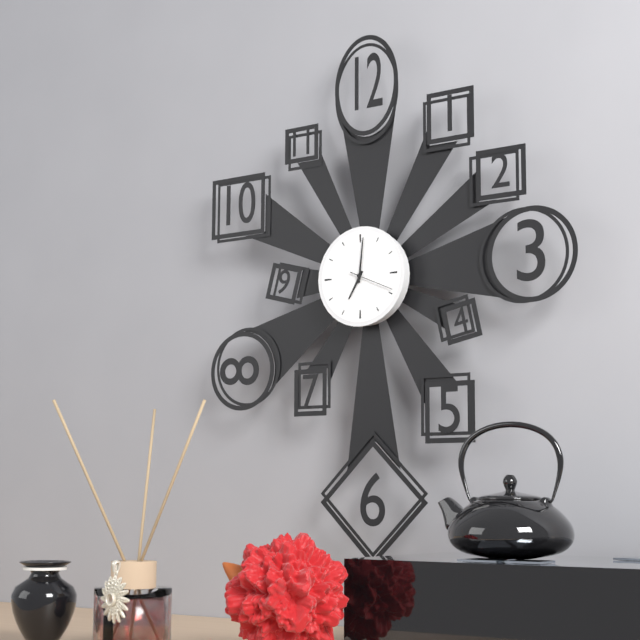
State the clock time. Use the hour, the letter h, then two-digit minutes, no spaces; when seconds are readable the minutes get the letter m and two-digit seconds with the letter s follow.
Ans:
7h01
